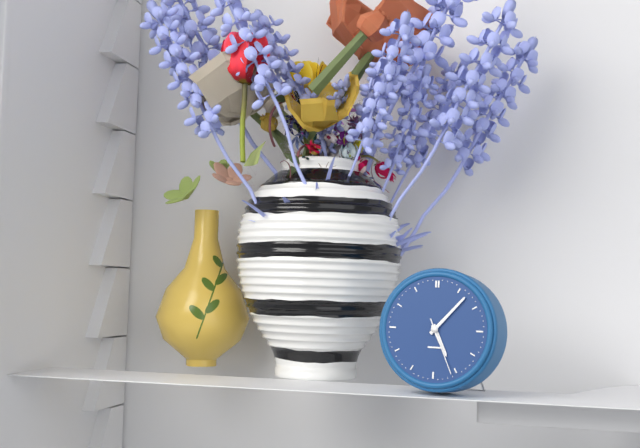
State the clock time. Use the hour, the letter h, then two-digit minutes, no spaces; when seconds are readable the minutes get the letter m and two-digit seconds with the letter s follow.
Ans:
5h07m26s
